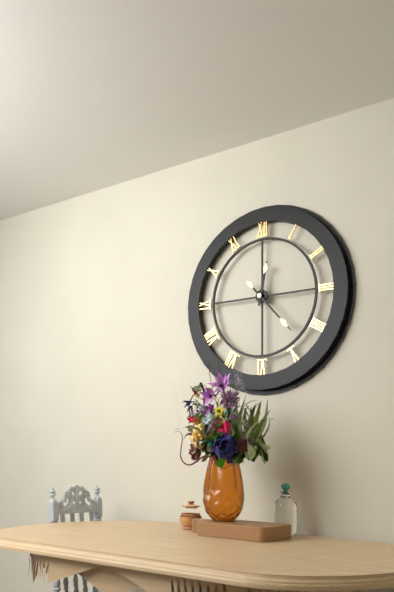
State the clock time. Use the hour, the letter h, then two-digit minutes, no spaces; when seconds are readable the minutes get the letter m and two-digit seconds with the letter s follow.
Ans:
12h23
